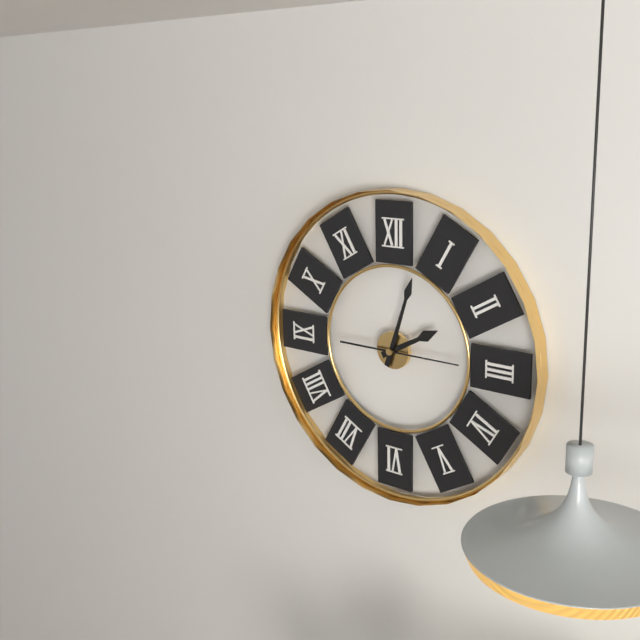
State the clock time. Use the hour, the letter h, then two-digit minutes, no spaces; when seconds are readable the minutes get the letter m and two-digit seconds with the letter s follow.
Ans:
2h03m15s
